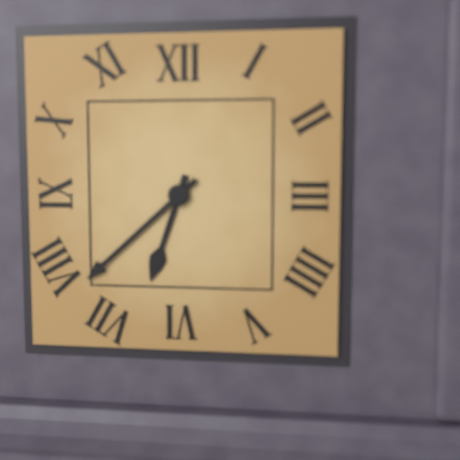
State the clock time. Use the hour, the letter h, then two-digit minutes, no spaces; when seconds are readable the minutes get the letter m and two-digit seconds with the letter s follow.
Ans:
6h38
